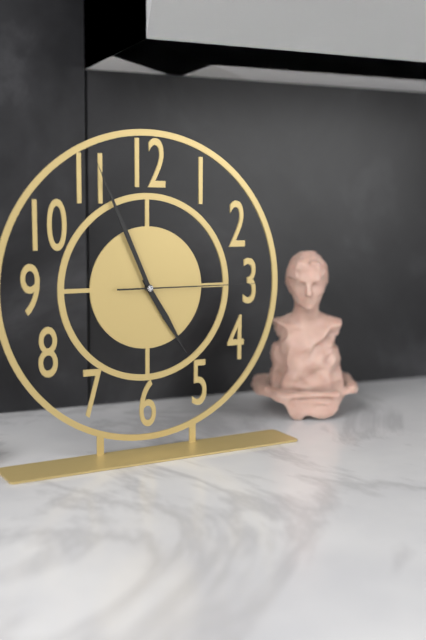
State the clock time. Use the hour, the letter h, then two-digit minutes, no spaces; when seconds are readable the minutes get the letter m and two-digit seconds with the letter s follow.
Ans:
4h56m15s
